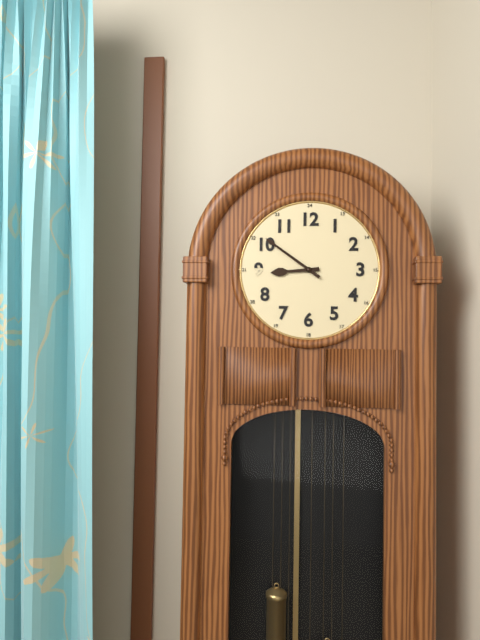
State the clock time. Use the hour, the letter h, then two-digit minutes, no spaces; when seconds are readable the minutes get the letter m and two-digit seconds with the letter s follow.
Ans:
8h51
